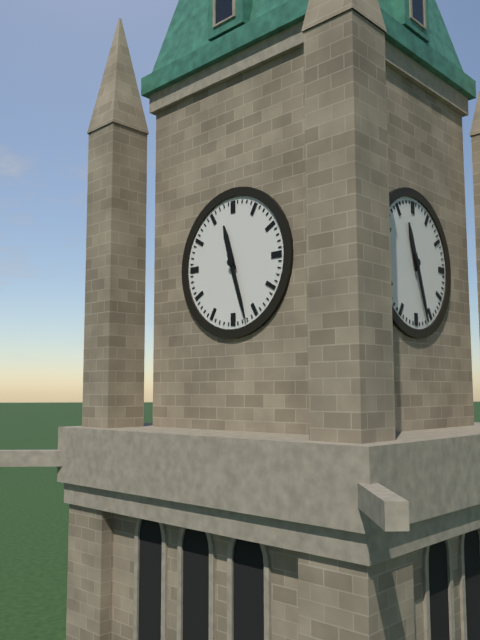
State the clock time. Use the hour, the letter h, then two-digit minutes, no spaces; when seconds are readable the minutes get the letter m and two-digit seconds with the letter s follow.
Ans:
11h27
